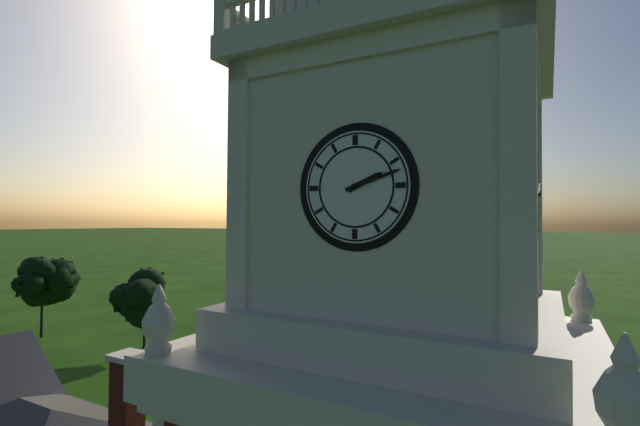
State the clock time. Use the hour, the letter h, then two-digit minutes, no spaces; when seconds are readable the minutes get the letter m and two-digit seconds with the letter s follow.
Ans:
2h12
